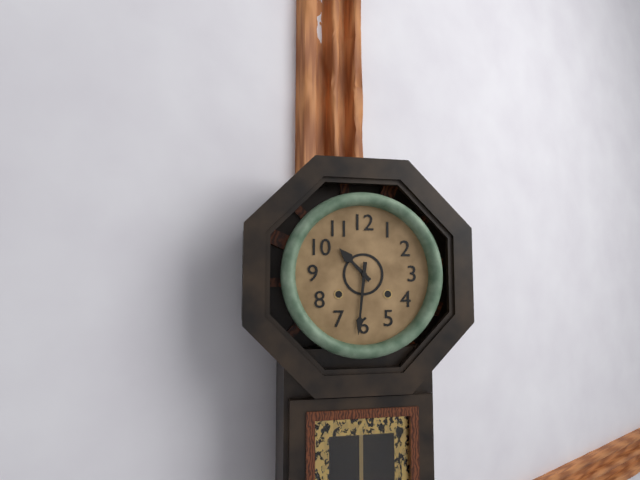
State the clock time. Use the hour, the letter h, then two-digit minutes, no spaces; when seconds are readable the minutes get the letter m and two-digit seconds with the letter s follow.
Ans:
10h31
